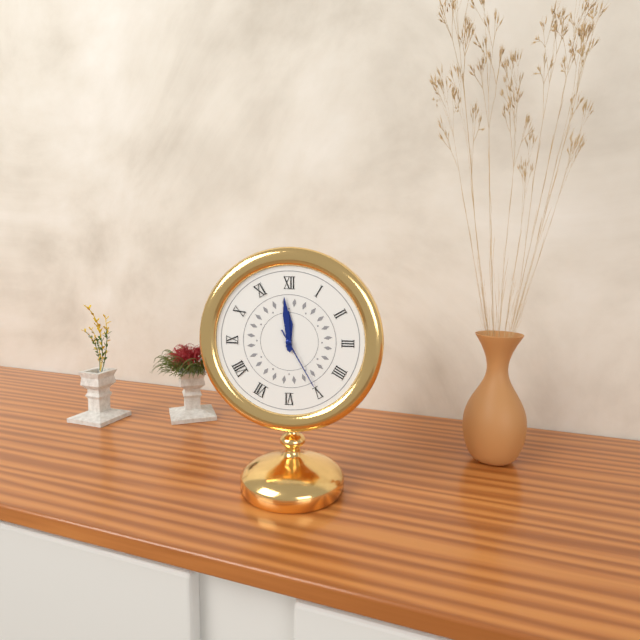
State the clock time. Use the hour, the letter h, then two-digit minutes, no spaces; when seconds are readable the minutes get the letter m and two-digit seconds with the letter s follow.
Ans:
11h59m25s
